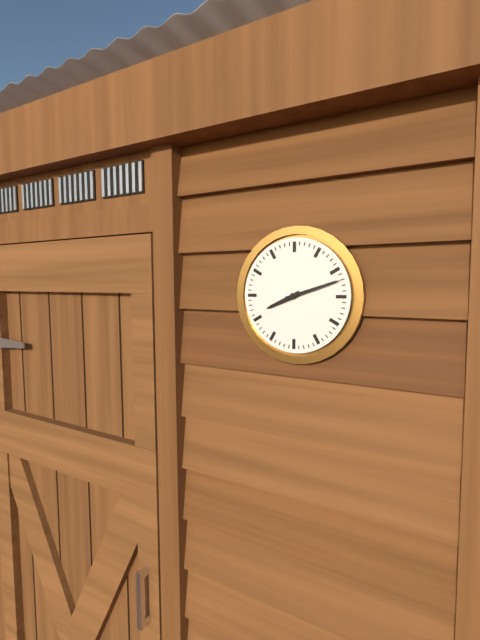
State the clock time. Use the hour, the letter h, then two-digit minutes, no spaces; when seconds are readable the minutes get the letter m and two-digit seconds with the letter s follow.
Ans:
8h12
